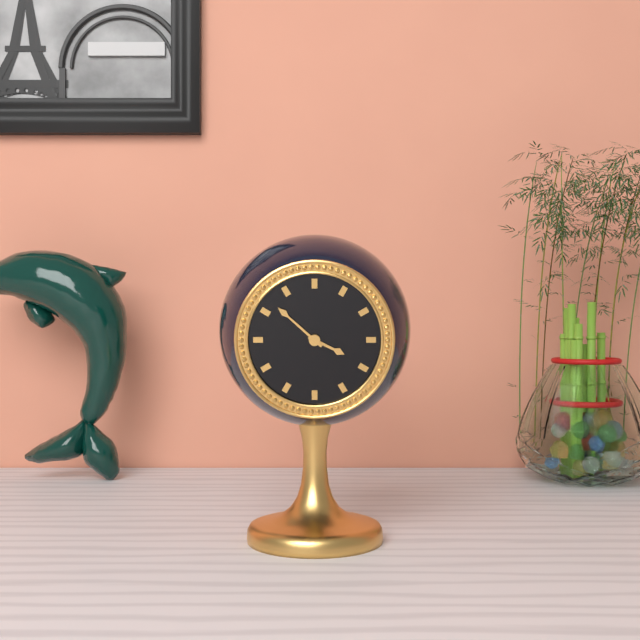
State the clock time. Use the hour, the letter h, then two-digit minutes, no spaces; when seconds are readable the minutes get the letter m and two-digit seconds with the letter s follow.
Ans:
3h52
